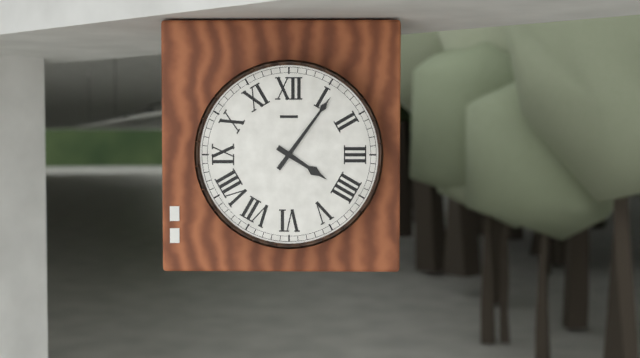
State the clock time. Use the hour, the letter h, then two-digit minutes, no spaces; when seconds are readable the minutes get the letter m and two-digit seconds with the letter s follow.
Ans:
4h06
